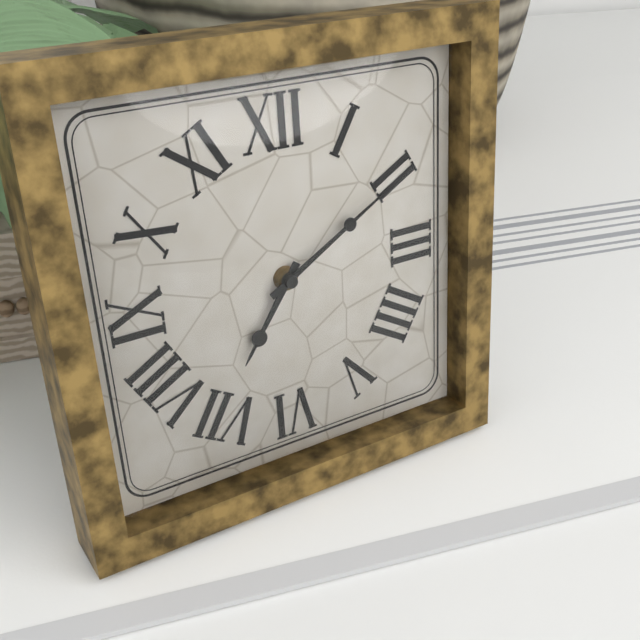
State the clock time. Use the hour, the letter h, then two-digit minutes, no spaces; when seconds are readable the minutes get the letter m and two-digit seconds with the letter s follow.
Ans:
7h10
